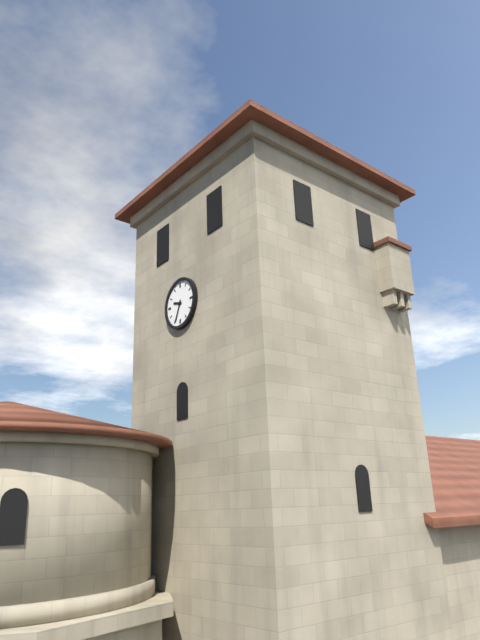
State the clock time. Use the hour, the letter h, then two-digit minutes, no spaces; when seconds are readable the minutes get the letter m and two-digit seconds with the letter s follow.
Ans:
9h34
